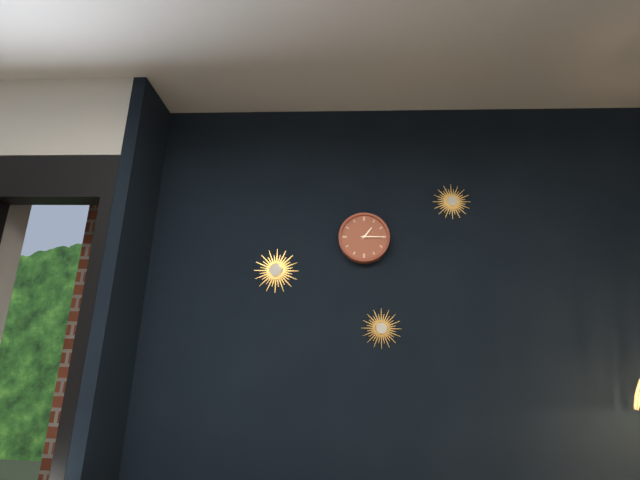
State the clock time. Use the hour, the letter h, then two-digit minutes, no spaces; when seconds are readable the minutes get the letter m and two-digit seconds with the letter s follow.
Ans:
1h15
